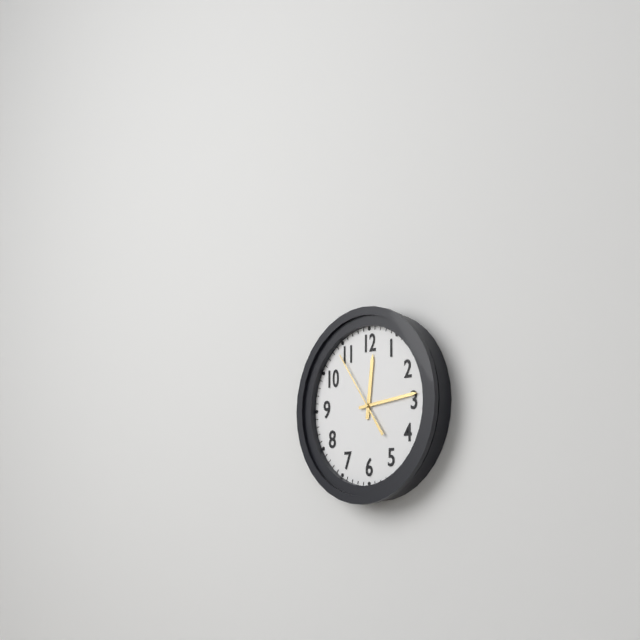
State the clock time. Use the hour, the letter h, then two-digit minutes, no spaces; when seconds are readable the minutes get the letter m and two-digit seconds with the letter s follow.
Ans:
12h14m54s
